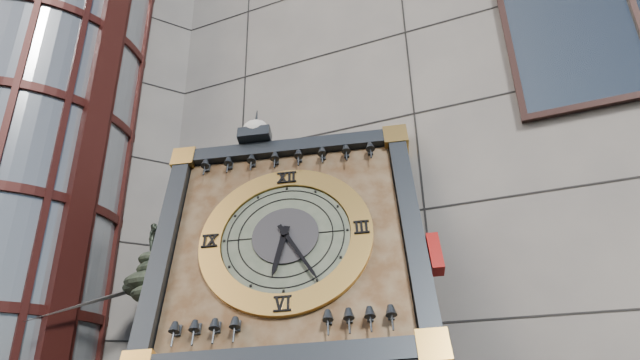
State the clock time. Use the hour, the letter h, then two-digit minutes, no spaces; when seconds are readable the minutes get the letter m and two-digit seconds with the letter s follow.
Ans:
6h25
